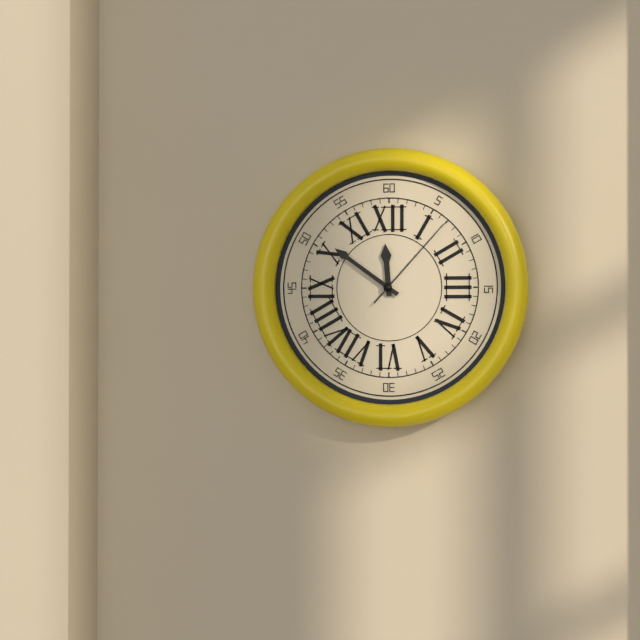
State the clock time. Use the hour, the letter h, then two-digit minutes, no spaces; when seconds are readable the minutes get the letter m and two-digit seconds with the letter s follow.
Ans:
11h51m07s
